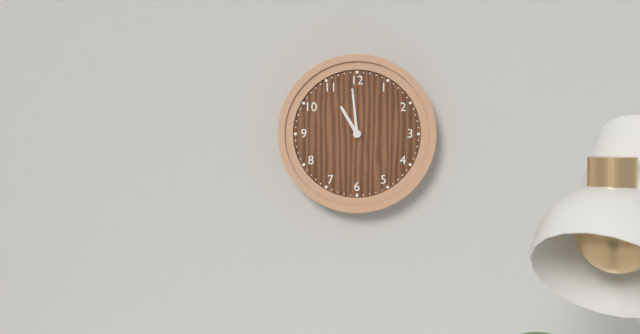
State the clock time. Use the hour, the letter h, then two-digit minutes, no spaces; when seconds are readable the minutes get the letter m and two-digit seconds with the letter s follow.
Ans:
10h59
